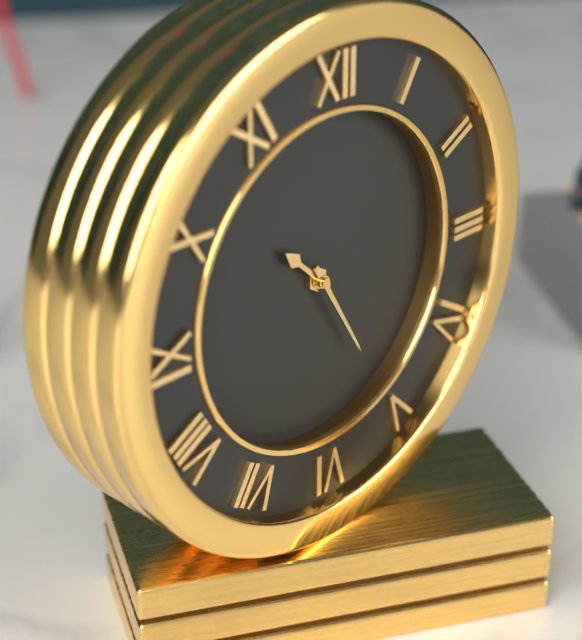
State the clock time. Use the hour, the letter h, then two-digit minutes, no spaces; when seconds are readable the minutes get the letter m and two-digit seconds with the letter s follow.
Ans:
10h25
